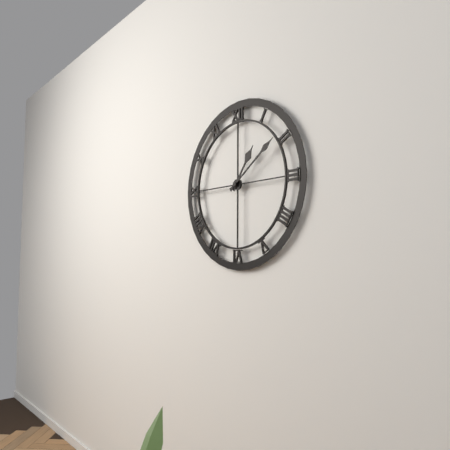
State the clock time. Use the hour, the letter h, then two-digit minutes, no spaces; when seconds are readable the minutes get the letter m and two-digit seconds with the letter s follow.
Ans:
1h09
